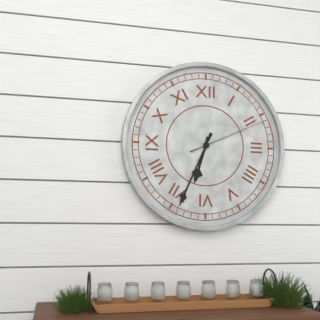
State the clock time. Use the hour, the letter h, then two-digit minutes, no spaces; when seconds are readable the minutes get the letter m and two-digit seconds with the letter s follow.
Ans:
6h34m11s
